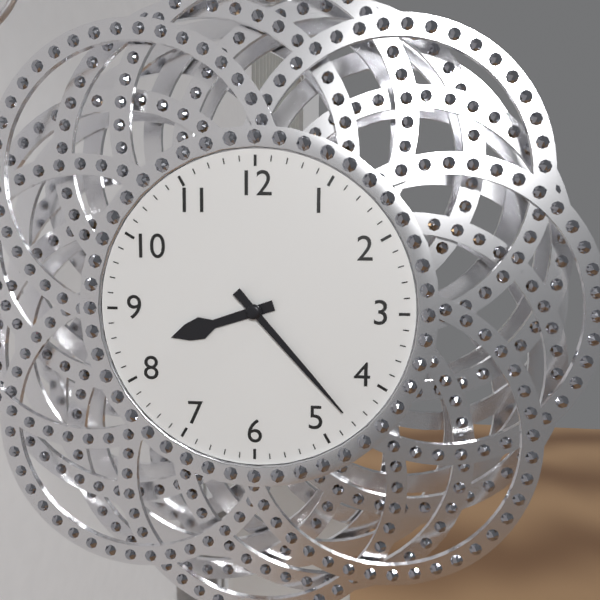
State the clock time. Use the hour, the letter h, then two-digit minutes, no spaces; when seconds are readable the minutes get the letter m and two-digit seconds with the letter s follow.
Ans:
8h23
